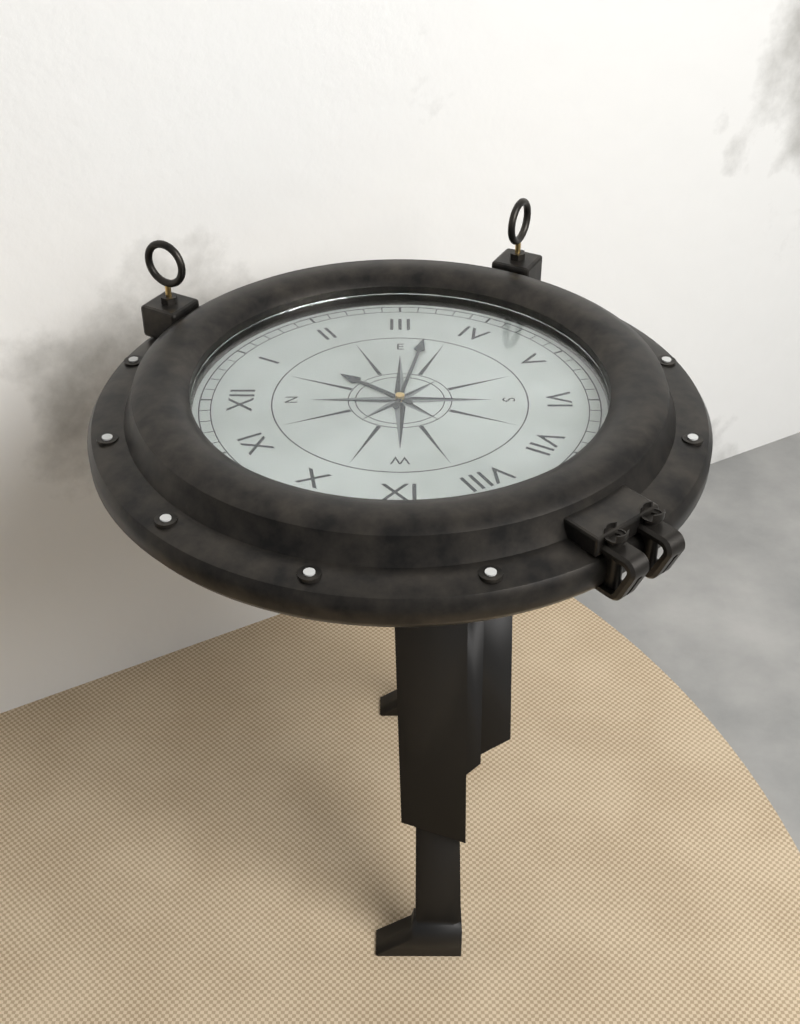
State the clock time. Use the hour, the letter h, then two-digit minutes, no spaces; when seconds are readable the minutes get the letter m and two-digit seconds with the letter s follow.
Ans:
1h17
